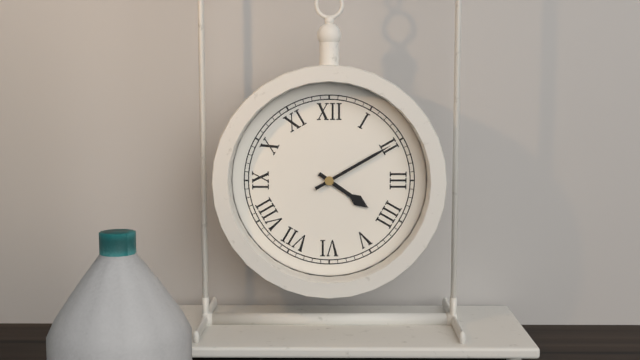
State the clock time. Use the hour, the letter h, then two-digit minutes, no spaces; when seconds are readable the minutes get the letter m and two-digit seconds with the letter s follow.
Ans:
4h10
